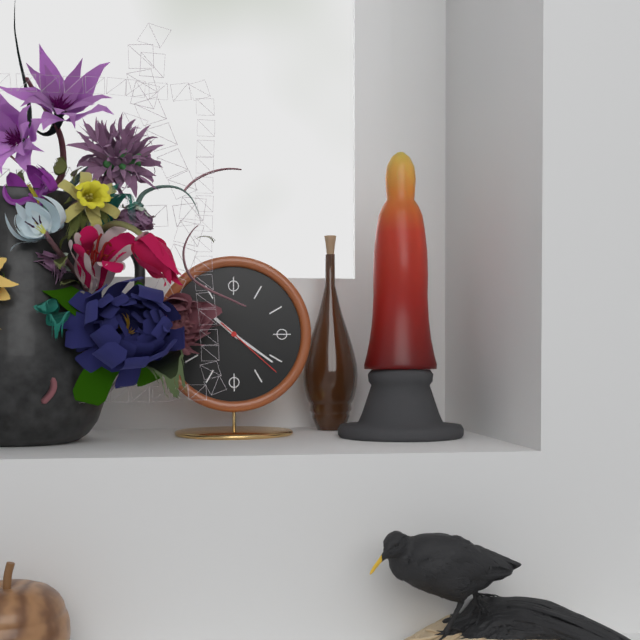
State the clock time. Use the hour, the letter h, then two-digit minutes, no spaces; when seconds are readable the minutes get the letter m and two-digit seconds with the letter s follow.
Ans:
10h21m22s
